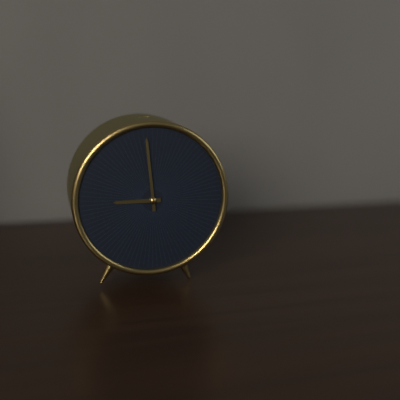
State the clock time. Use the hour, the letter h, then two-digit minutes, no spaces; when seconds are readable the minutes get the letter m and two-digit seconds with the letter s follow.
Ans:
8h59
